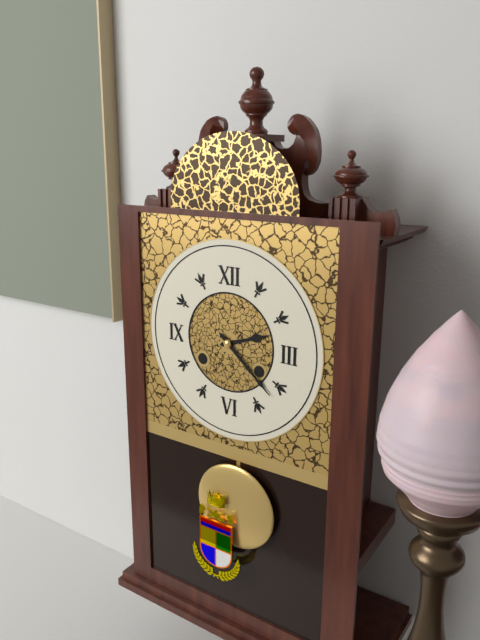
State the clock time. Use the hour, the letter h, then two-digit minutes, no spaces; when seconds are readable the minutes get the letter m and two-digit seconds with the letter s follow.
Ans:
2h22
